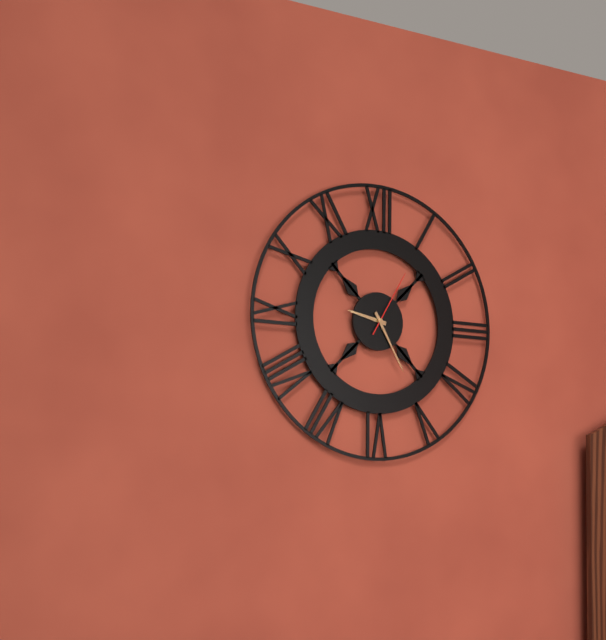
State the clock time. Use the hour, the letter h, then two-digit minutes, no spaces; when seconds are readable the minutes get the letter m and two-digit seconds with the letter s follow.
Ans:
9h25m05s
